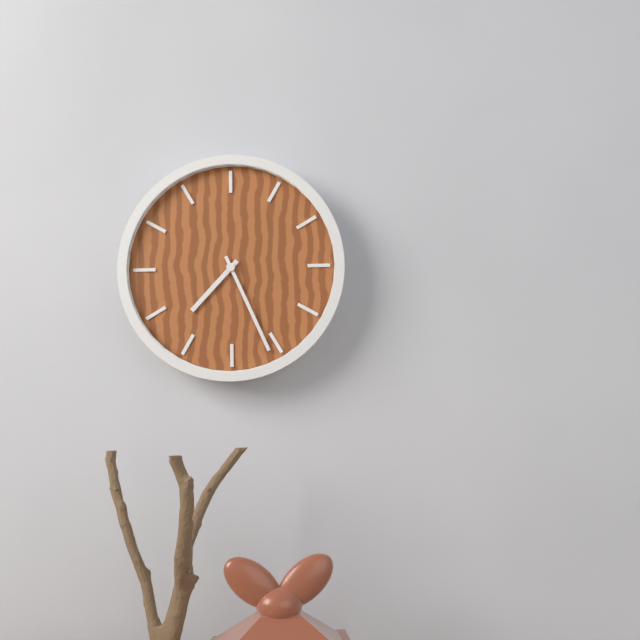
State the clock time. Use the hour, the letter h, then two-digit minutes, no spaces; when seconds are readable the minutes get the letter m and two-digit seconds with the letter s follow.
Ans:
7h26
